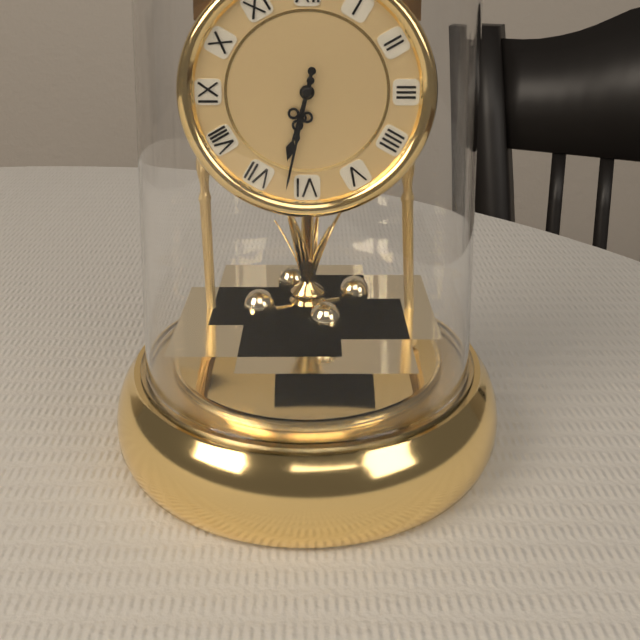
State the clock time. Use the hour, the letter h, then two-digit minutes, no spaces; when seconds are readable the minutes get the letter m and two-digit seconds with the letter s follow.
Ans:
6h32
